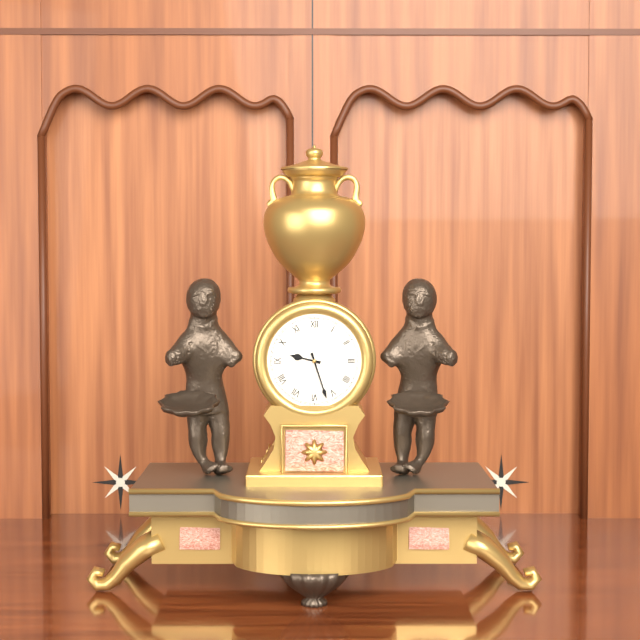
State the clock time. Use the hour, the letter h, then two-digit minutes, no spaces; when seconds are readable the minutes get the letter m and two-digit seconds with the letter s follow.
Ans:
9h27
